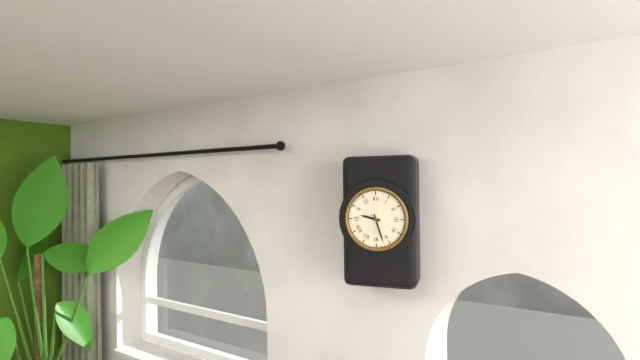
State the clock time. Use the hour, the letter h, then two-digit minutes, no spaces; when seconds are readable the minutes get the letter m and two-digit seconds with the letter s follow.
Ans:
9h27
